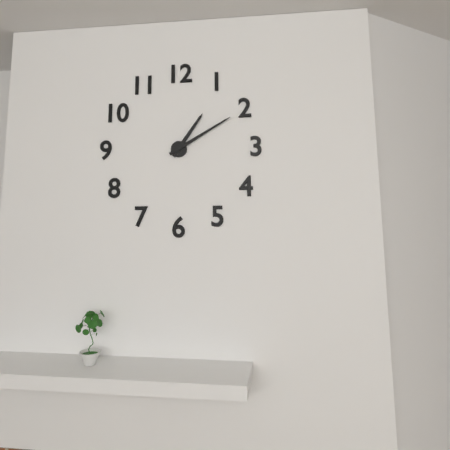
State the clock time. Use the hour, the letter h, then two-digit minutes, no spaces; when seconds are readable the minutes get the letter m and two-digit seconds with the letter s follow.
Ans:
1h10
